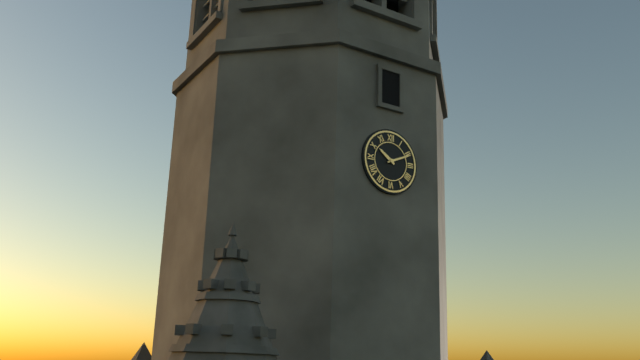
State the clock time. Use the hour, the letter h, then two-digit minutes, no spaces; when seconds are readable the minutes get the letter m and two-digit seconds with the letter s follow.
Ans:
10h11
